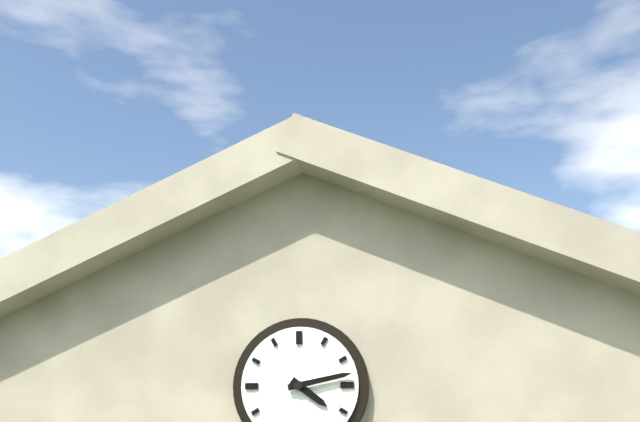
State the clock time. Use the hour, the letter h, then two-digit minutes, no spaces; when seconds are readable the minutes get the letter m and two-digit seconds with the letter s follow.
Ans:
4h13
